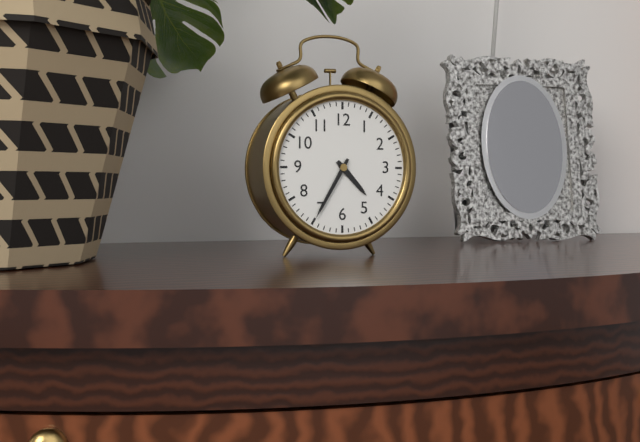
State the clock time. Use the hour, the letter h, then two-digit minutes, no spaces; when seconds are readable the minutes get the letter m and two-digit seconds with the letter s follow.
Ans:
4h35
